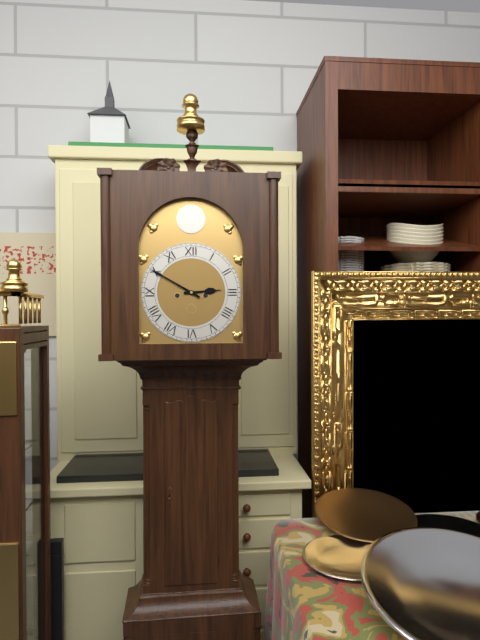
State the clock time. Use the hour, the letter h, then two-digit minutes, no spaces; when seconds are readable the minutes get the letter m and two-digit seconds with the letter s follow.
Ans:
2h50
